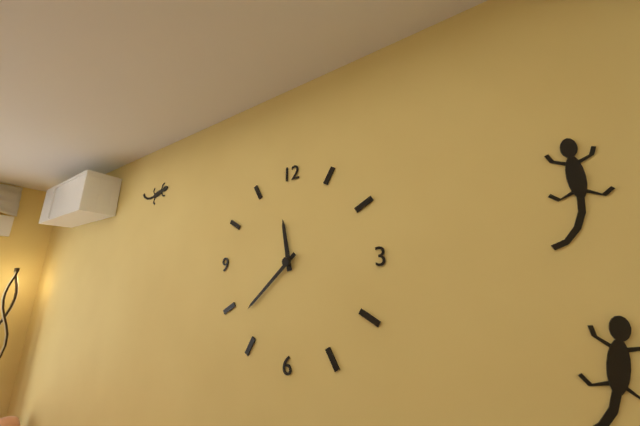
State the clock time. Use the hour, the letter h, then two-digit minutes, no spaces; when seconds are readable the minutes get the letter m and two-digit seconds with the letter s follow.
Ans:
11h38
